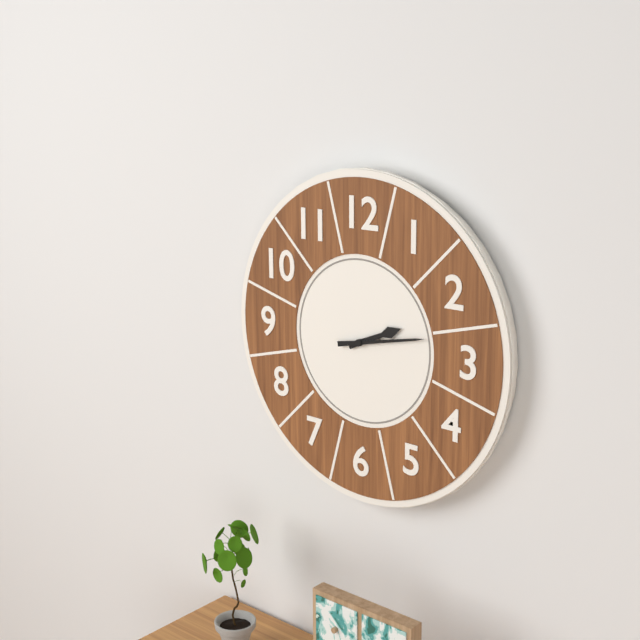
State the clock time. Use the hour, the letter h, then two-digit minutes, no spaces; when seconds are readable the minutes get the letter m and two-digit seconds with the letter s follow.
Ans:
2h13
